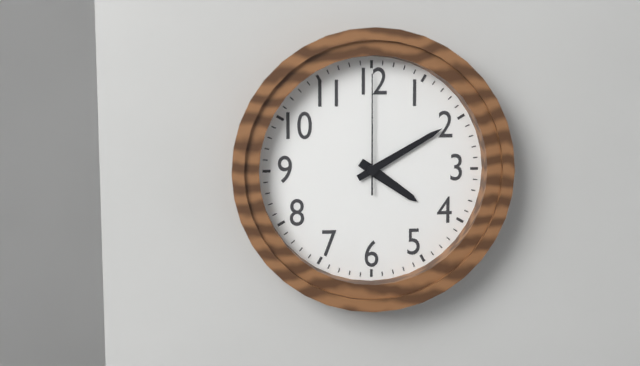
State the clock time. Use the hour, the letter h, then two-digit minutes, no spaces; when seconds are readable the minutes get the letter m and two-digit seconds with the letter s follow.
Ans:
4h10m00s
